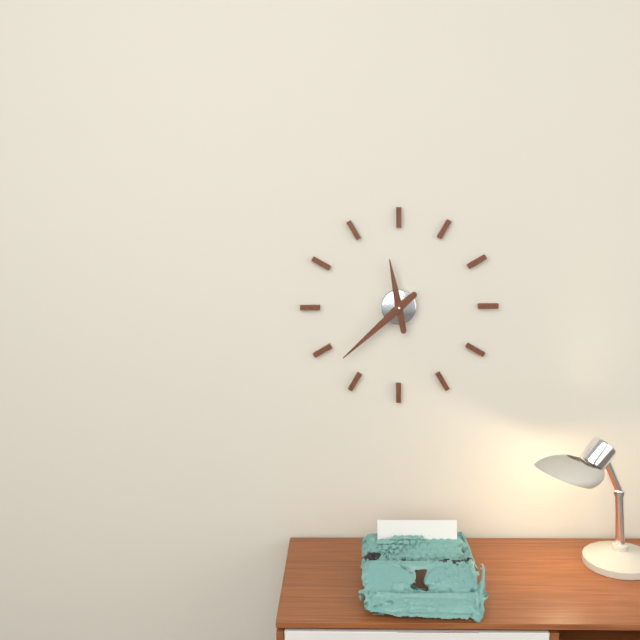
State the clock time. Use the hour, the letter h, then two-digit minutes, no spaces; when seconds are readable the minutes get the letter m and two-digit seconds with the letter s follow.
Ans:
11h38
